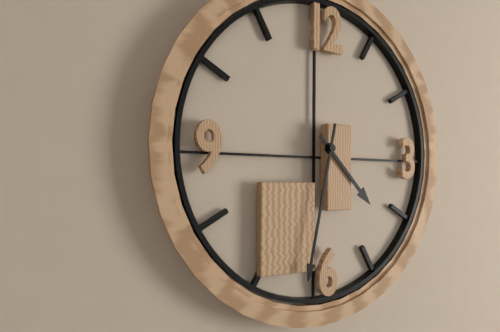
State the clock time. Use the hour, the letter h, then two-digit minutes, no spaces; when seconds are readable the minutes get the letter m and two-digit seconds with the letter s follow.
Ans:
4h32
